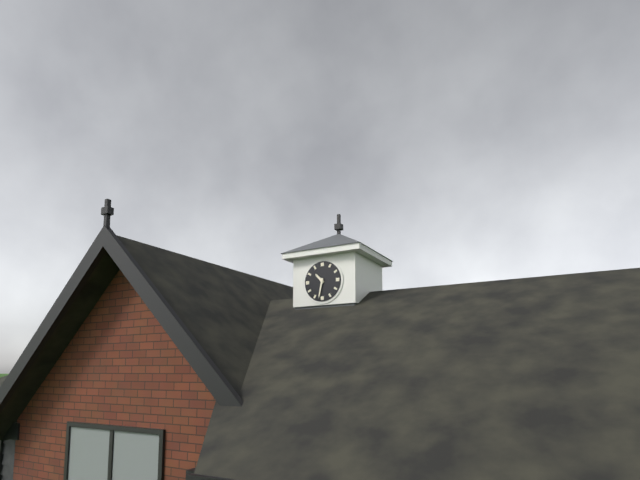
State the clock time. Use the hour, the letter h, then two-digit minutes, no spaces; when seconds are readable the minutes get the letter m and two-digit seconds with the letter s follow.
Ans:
10h32
